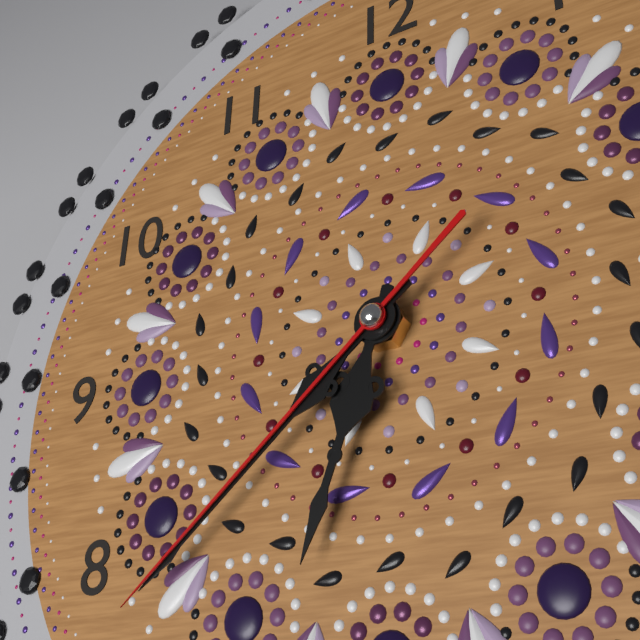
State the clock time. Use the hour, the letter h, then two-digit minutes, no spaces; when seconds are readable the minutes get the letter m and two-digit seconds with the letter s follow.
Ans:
6h38m38s
